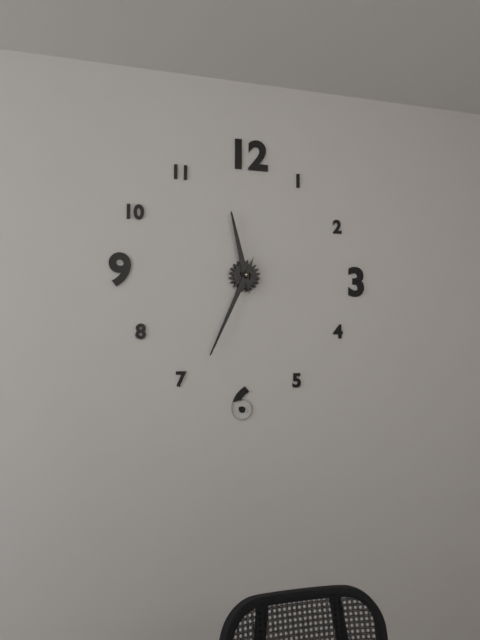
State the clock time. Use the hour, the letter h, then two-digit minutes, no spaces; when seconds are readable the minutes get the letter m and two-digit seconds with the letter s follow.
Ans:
11h34
